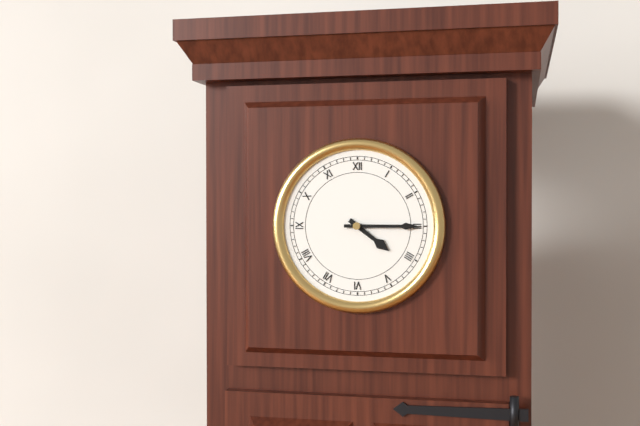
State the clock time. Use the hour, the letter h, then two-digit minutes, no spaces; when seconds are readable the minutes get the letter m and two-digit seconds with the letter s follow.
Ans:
4h15
